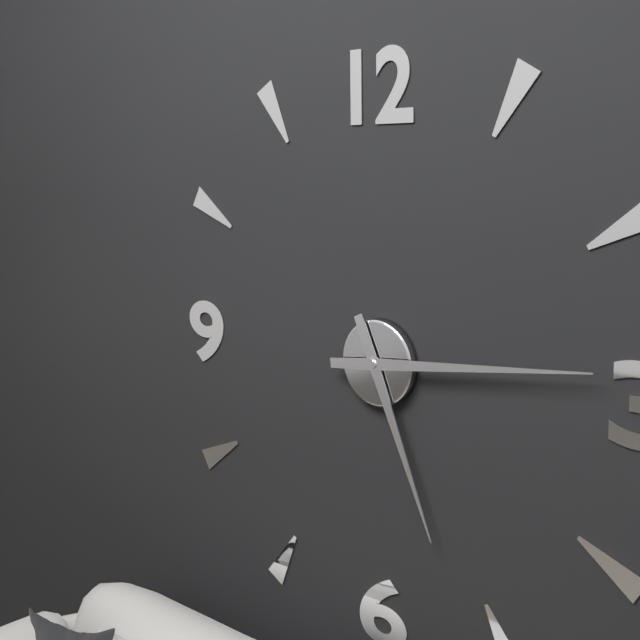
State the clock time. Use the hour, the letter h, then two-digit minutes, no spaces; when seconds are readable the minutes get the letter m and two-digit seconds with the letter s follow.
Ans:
5h14
